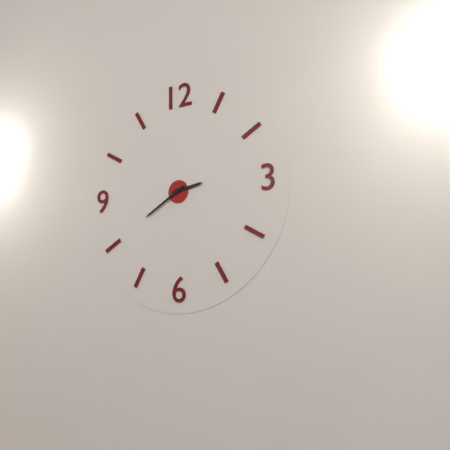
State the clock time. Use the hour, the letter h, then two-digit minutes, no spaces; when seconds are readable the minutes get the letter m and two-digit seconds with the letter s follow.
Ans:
2h40
